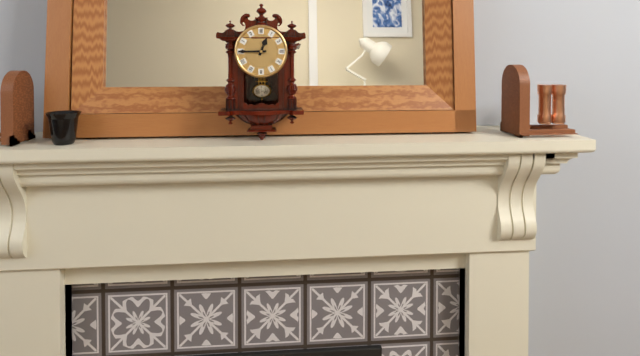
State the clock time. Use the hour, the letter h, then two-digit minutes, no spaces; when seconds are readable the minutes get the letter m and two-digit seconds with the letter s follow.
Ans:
12h45
